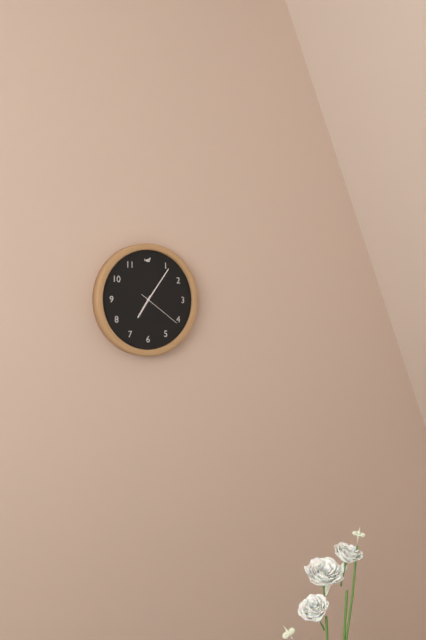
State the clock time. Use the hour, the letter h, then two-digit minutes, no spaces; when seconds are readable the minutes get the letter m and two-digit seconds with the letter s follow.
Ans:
7h06m21s
